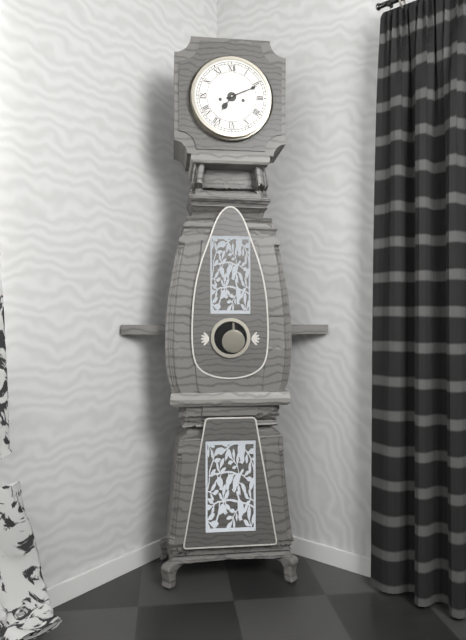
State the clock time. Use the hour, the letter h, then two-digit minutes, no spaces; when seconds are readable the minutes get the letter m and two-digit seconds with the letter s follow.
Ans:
7h11
